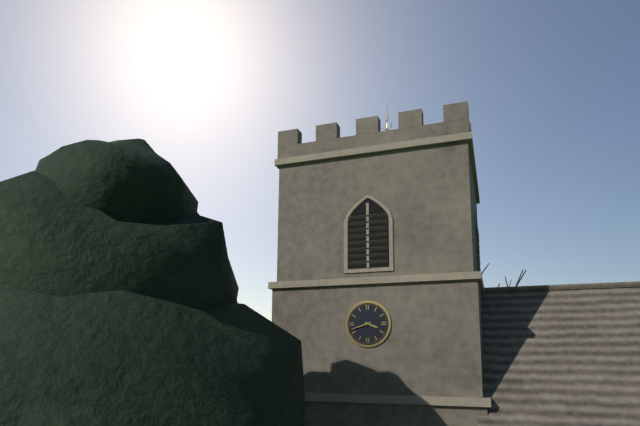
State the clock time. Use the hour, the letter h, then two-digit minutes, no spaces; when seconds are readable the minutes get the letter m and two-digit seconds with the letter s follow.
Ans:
3h42
